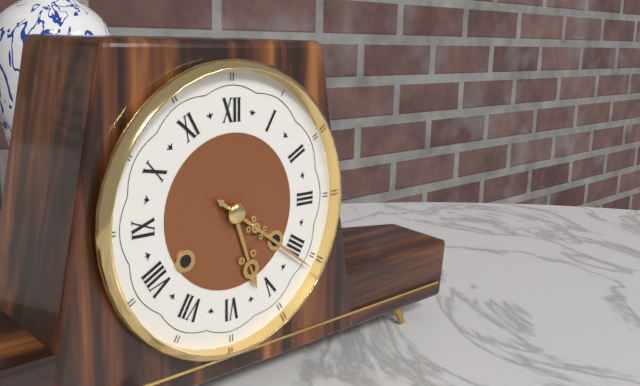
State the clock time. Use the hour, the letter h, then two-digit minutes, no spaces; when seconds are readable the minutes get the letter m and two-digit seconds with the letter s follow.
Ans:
5h21
